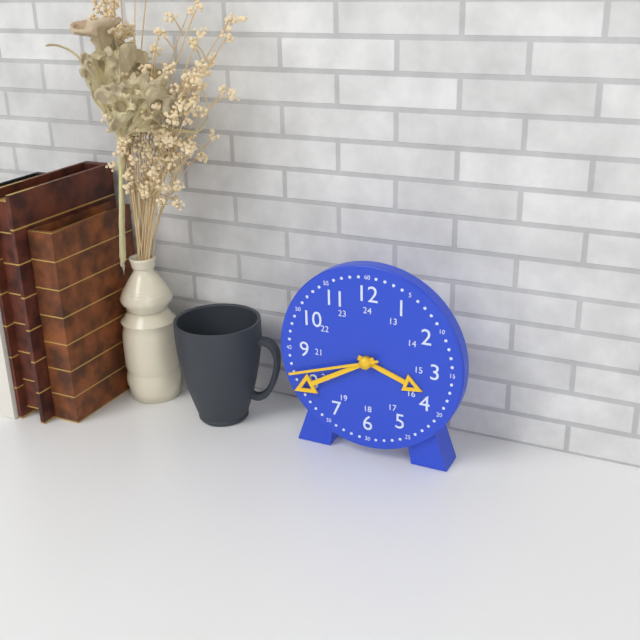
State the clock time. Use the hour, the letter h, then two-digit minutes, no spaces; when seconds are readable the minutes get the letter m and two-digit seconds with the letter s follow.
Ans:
3h40m42s
